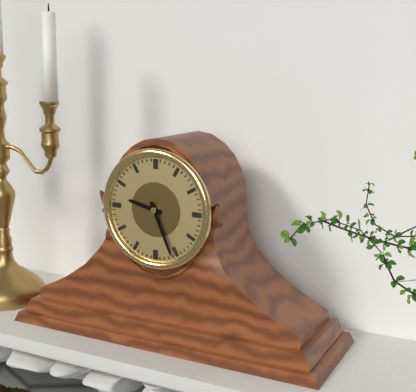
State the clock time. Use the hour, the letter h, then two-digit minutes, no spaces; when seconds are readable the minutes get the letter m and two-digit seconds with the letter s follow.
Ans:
9h26
